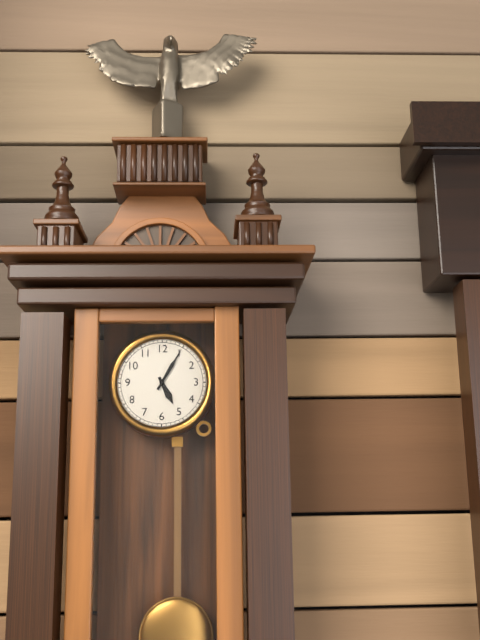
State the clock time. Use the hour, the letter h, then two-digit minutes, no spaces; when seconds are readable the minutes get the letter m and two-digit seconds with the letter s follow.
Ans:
5h05
